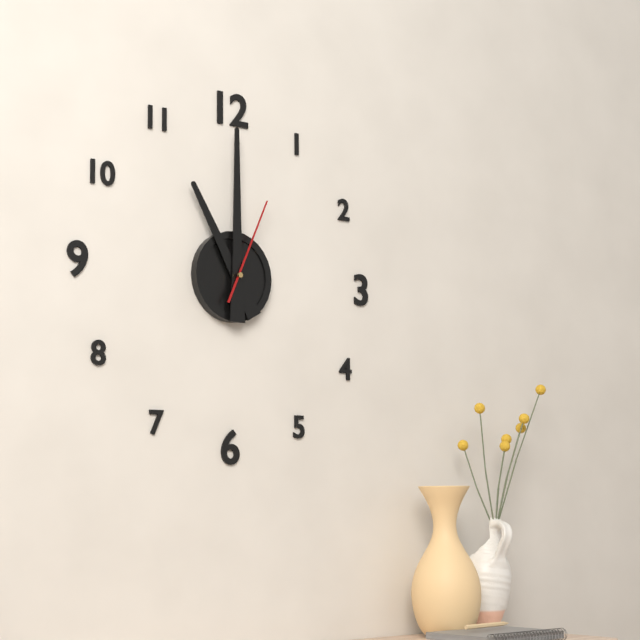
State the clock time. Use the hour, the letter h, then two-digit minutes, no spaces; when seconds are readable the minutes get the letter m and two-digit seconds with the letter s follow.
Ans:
11h00m04s
